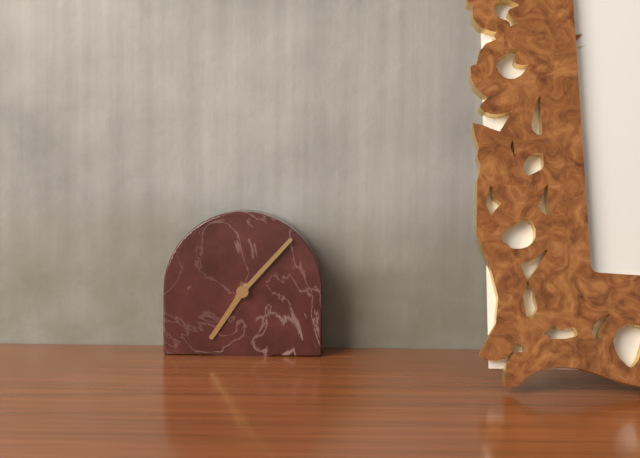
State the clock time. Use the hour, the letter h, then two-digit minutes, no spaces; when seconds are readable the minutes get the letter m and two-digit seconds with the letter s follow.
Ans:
7h07
